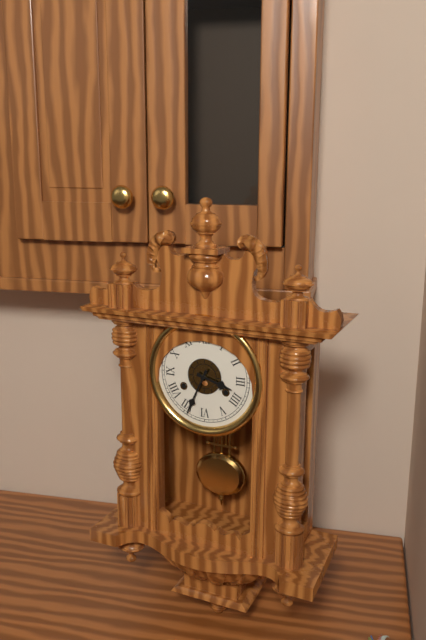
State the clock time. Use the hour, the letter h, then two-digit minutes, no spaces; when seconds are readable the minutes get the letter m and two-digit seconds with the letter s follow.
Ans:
3h34
